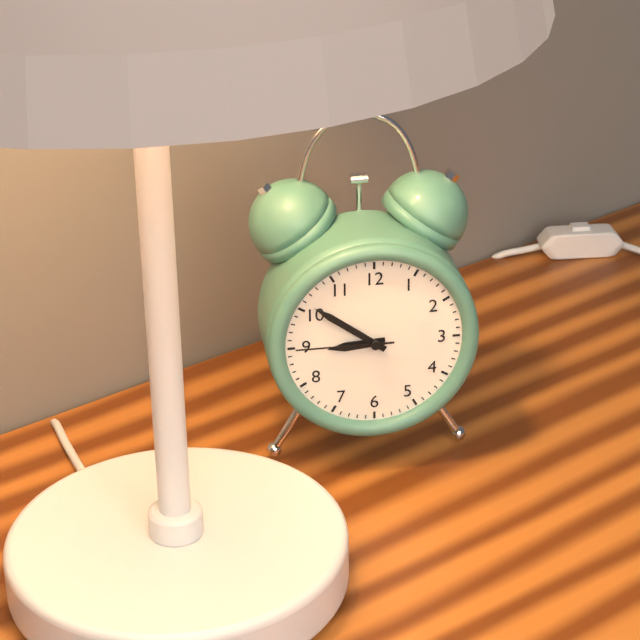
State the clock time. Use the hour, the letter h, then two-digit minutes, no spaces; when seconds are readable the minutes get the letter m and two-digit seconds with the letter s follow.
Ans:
8h51m45s
